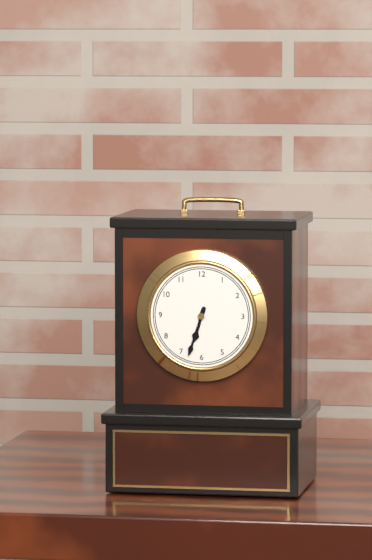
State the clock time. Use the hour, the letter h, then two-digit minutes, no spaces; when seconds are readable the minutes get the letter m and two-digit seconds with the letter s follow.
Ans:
6h33
